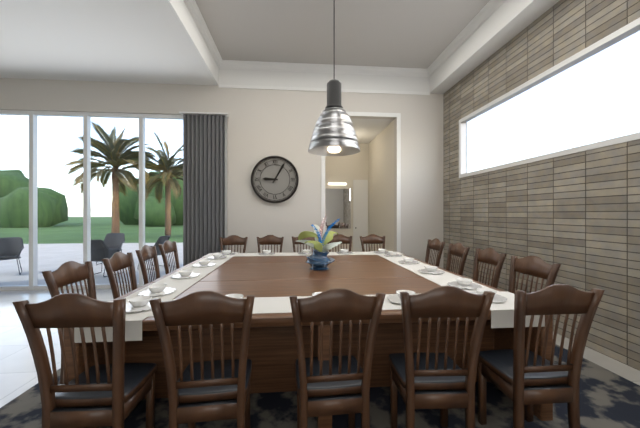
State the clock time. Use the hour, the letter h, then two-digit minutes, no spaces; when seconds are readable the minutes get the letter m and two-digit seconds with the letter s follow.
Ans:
9h05
